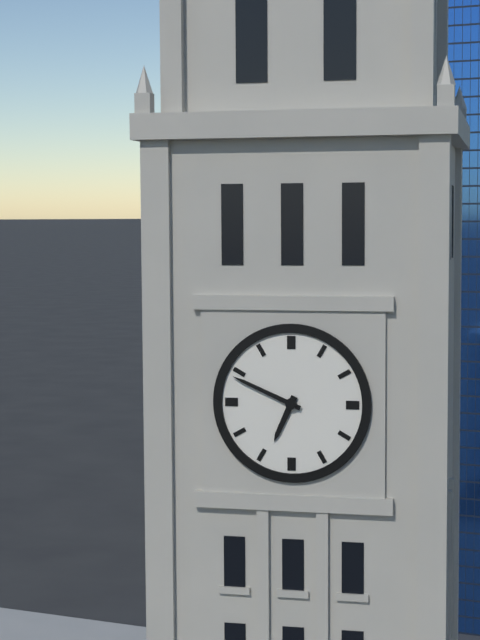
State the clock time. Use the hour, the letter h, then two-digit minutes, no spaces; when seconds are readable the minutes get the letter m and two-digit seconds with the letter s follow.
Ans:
6h49
